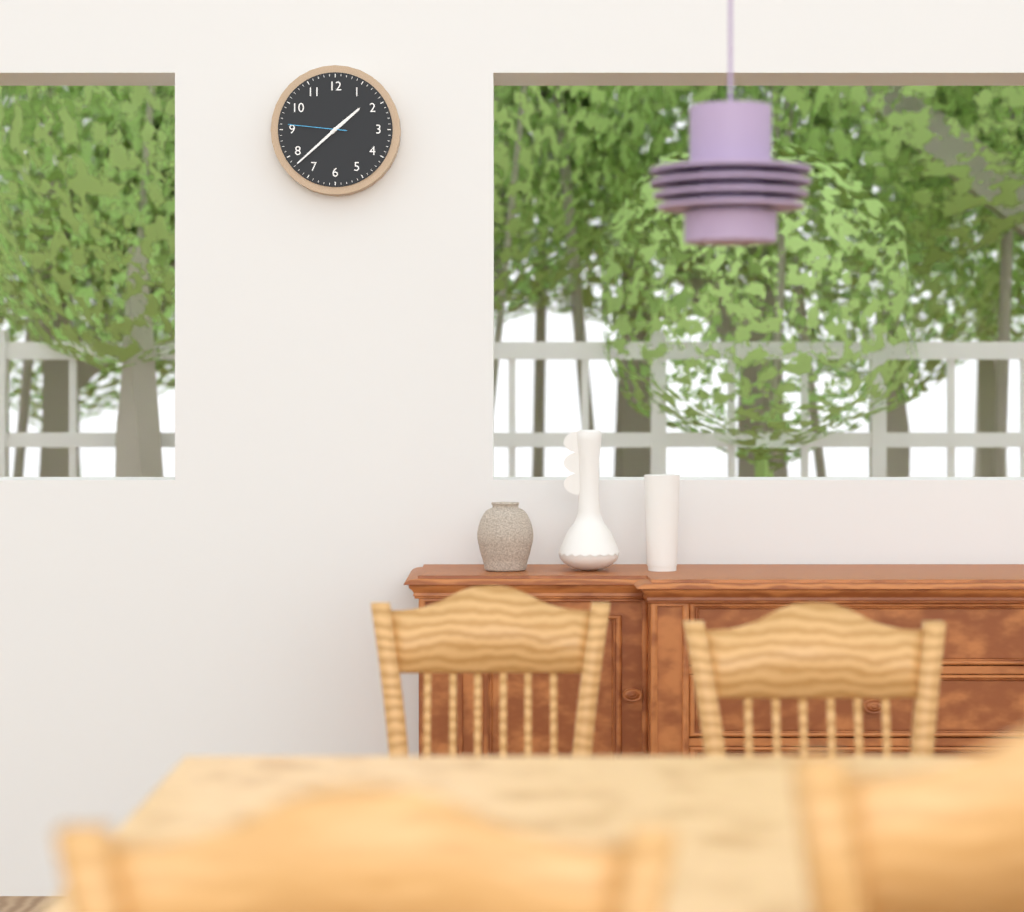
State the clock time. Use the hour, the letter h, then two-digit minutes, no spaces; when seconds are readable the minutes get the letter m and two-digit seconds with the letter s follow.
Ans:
1h38m46s
